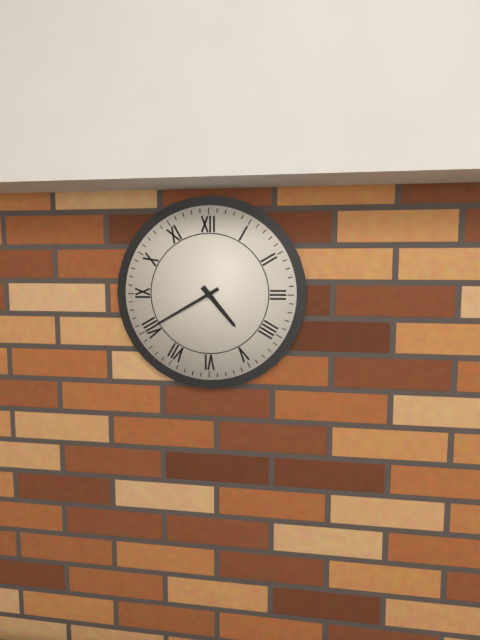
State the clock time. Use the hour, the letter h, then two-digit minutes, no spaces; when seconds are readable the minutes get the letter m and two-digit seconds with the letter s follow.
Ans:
4h40
